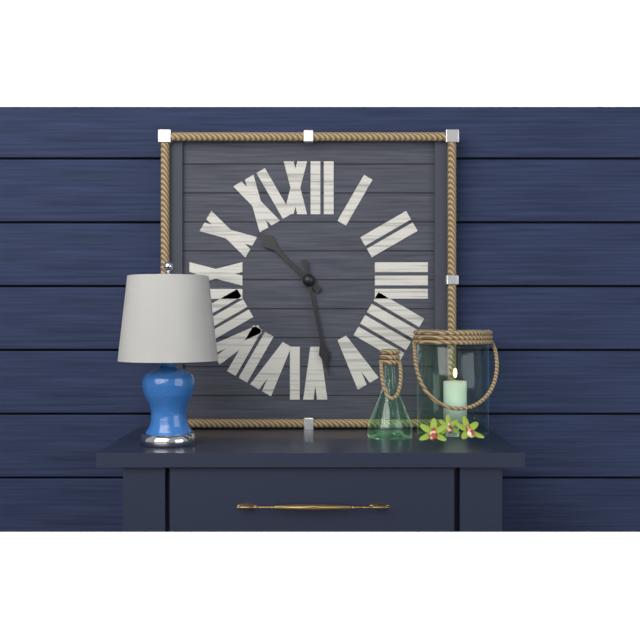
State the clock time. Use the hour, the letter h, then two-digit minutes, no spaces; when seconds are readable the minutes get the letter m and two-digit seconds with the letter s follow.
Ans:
10h28
